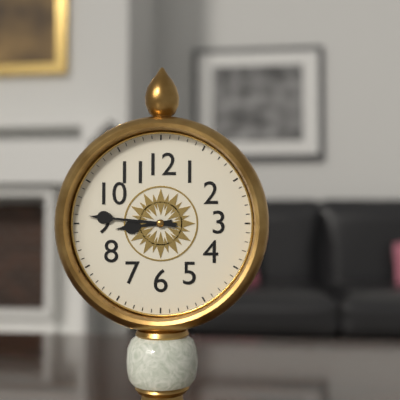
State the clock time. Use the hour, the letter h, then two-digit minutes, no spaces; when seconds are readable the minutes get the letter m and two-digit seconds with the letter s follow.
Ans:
8h46
